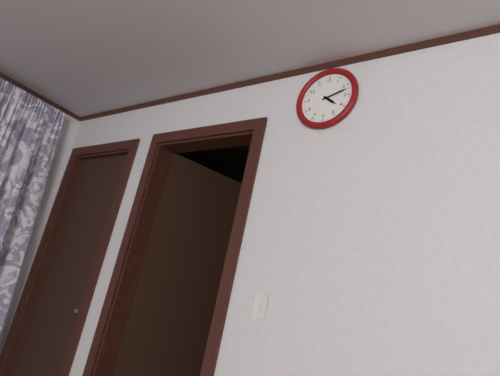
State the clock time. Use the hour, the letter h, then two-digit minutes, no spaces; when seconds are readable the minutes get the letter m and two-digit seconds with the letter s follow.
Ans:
4h12
